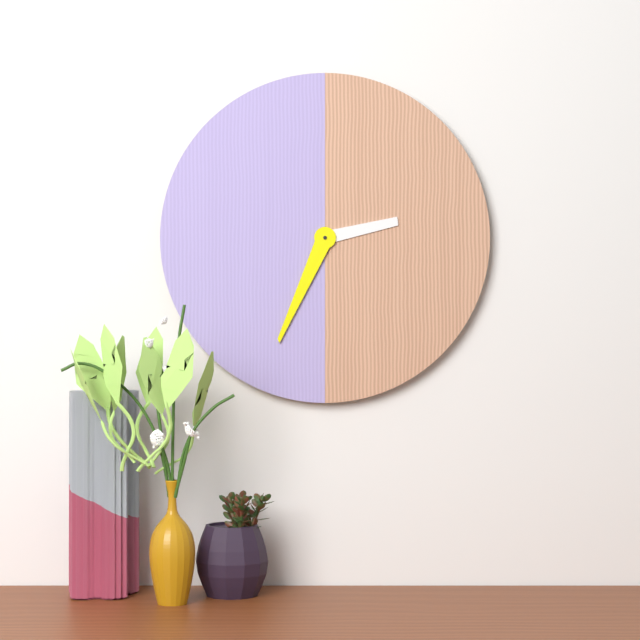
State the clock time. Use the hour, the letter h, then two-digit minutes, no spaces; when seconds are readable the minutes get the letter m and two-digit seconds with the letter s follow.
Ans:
2h34
